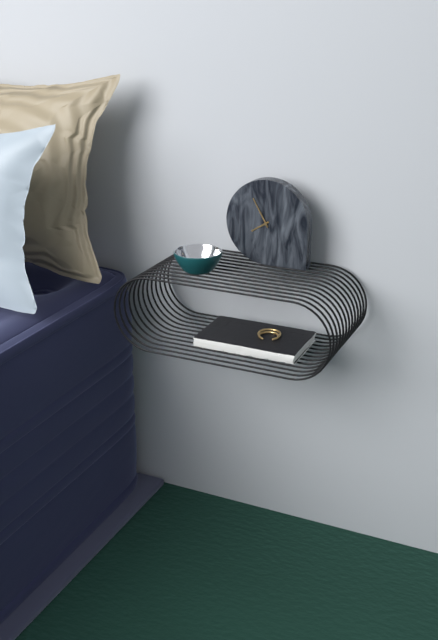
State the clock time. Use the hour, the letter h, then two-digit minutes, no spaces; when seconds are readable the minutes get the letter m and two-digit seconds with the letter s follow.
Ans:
7h55
